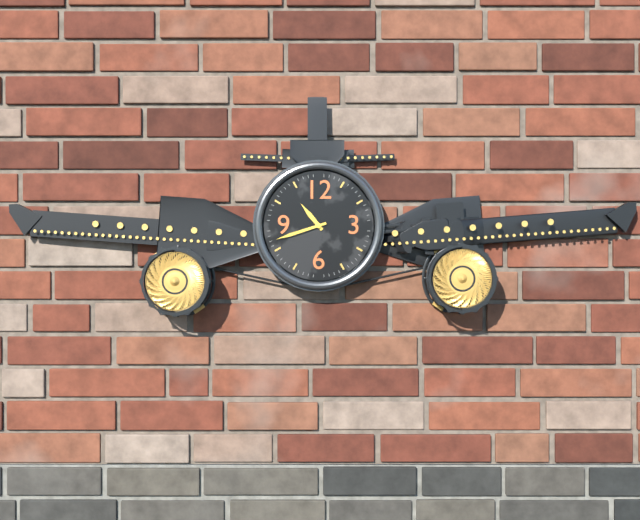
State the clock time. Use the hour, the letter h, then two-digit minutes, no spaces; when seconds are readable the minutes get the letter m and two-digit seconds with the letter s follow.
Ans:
10h42
